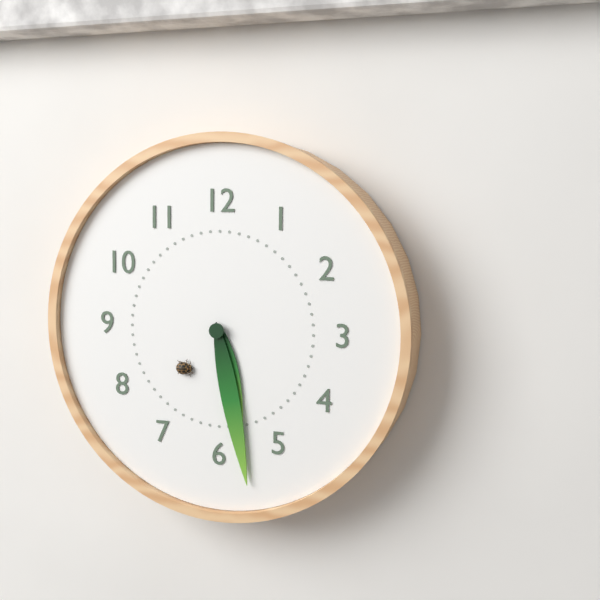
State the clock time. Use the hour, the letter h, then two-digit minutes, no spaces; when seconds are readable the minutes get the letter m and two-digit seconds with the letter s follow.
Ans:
5h28
